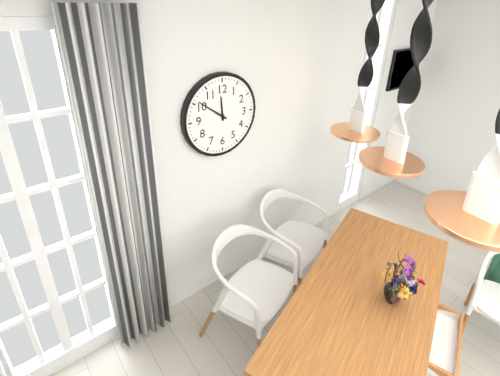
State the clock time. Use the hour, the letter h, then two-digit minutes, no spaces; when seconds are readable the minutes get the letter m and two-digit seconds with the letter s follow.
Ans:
11h51
